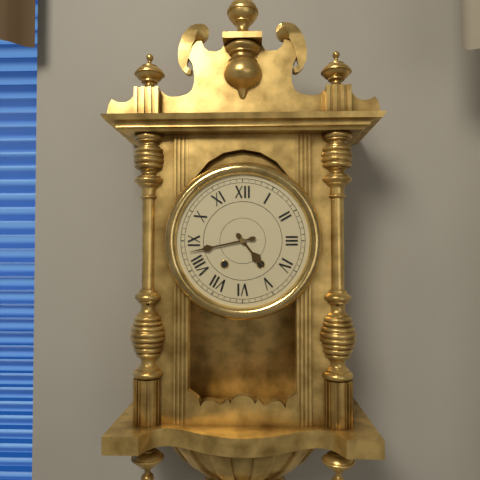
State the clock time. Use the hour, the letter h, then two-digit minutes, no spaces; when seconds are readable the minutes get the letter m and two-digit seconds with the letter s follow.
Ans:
4h43
